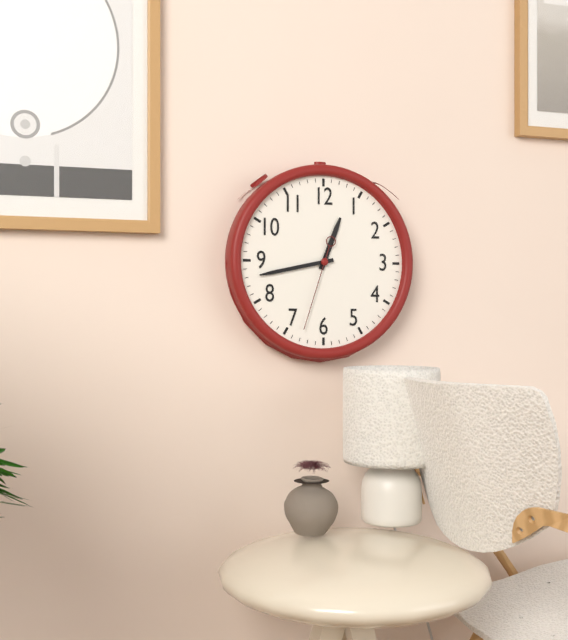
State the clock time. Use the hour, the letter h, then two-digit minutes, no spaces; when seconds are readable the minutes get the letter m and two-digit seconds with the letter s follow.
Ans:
12h43m33s
